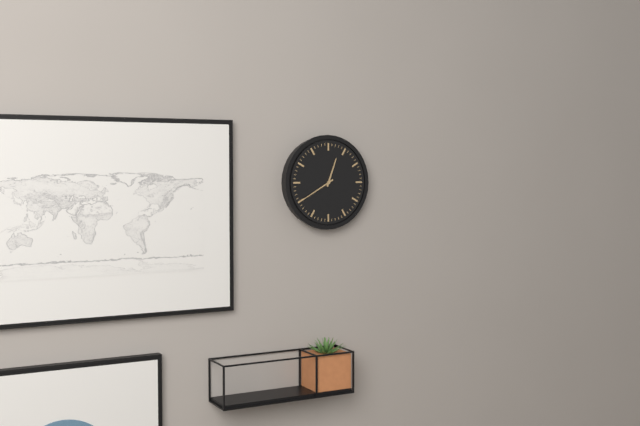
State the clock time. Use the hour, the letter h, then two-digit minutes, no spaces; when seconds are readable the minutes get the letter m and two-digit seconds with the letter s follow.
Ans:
12h40
